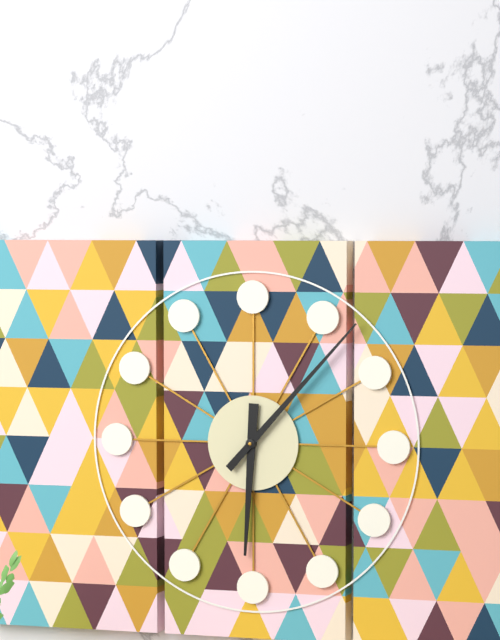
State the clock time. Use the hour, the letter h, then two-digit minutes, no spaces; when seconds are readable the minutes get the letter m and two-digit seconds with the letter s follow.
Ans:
6h07
